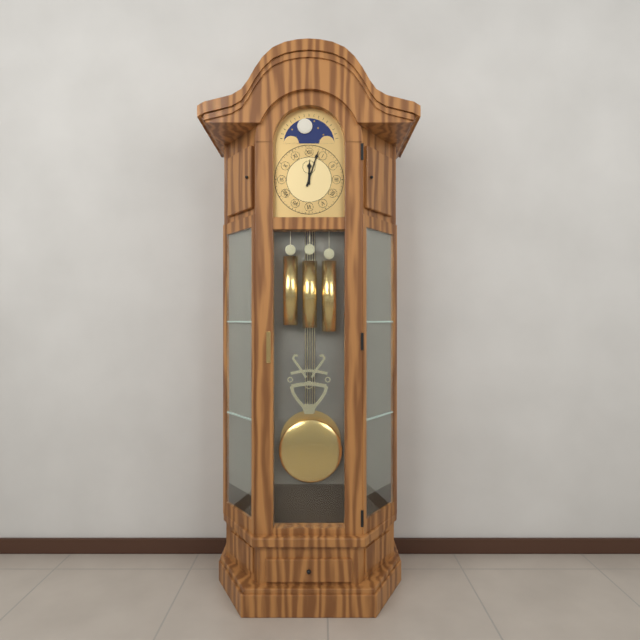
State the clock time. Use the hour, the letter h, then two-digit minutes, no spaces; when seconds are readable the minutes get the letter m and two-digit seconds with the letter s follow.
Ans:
12h03
